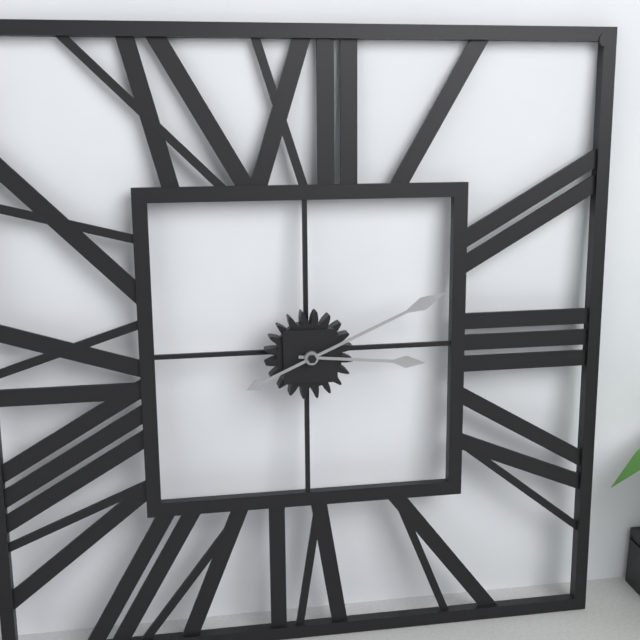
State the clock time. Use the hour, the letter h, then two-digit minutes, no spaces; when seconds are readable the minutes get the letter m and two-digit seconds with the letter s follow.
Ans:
3h11
